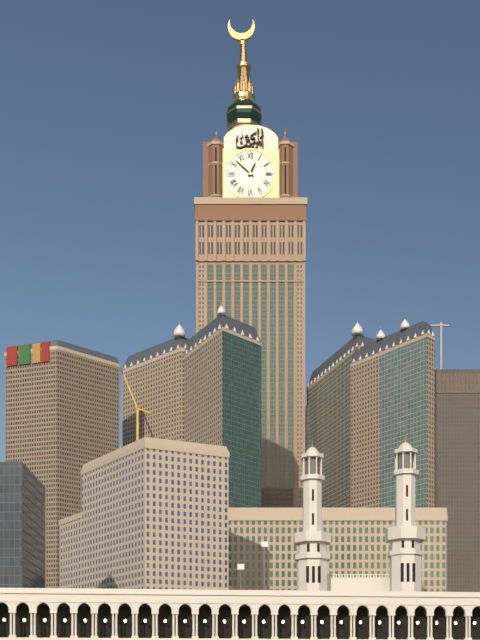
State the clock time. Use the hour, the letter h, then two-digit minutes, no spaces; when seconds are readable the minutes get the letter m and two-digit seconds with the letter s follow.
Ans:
12h52
